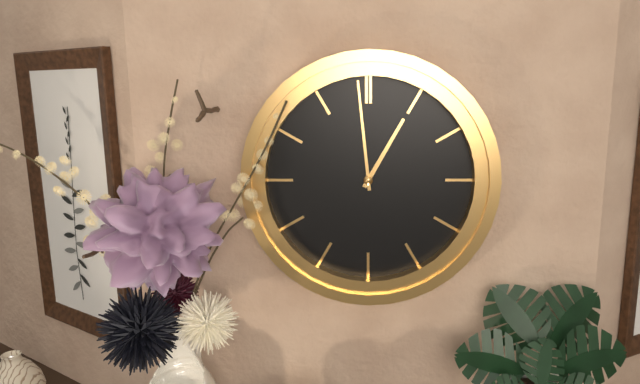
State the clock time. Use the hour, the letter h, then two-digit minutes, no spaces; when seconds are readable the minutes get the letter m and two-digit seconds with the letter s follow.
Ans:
12h59
